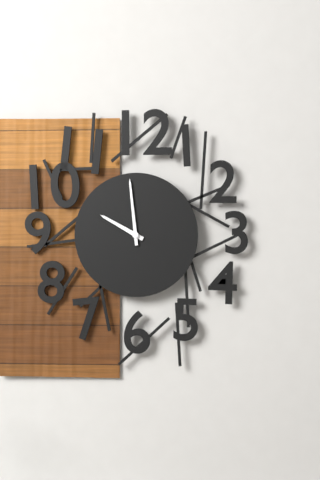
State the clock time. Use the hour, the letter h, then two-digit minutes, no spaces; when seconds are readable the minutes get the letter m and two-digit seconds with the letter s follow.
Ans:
9h59
